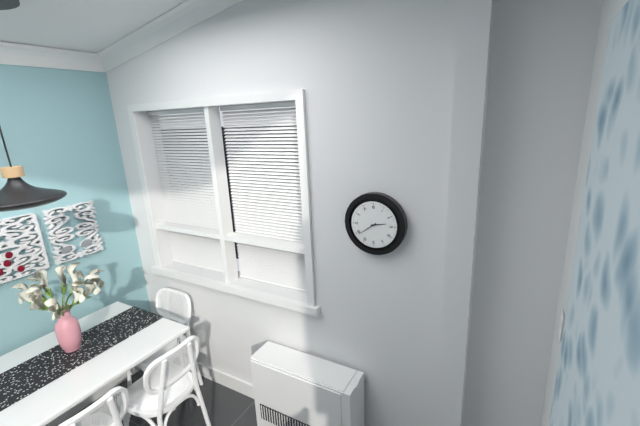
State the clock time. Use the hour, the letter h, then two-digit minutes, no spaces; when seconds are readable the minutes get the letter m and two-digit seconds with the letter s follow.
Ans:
2h39
